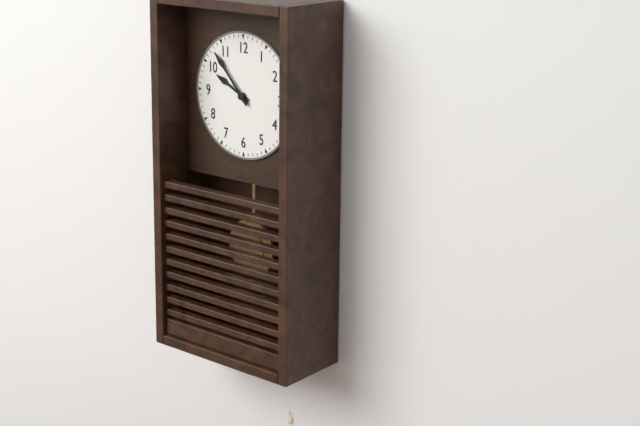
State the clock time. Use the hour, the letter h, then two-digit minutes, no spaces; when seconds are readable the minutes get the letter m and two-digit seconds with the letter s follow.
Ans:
9h53
